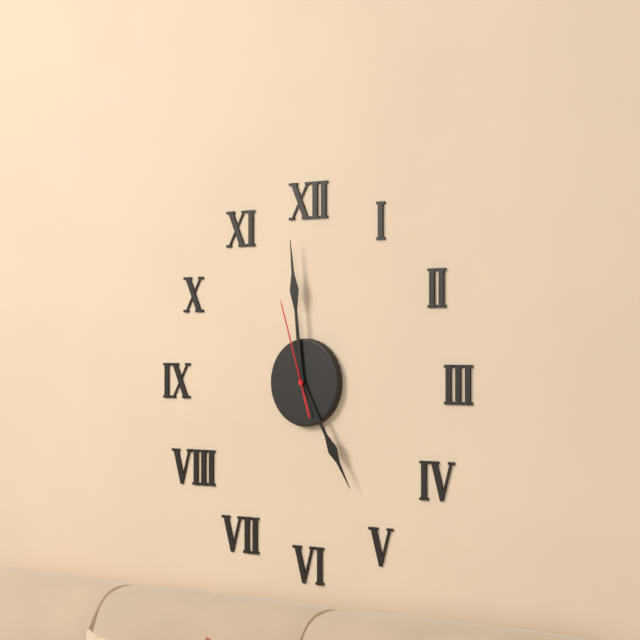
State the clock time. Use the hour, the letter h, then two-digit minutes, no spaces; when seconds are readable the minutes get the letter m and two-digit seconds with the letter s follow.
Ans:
4h59m57s
